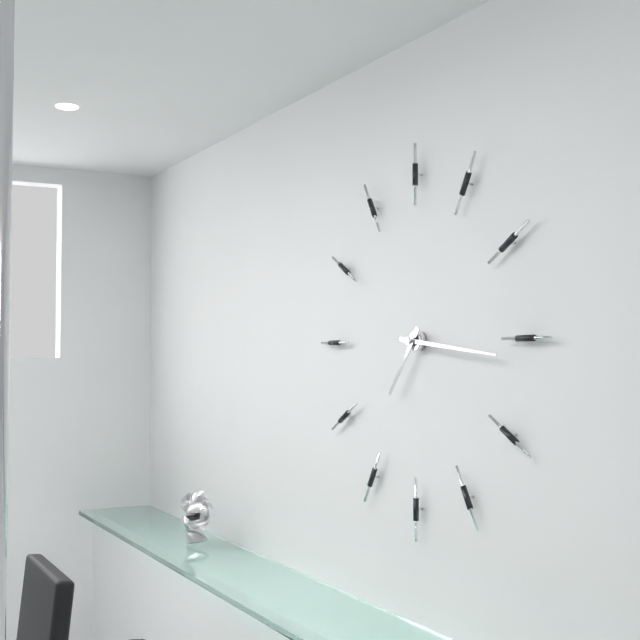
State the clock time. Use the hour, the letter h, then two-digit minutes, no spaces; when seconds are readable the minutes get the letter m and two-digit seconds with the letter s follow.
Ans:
7h16
